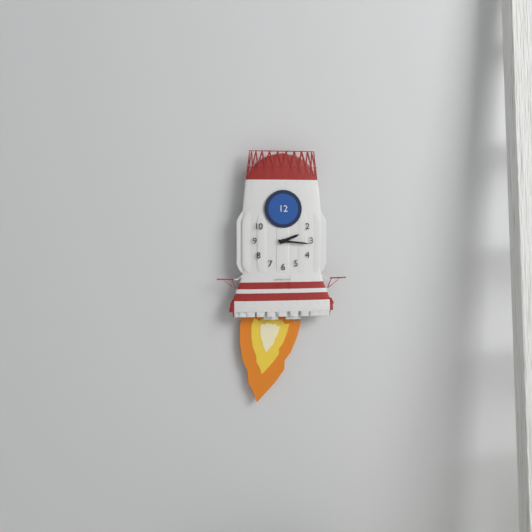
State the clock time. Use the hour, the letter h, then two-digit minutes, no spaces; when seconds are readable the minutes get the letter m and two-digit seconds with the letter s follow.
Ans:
2h16
